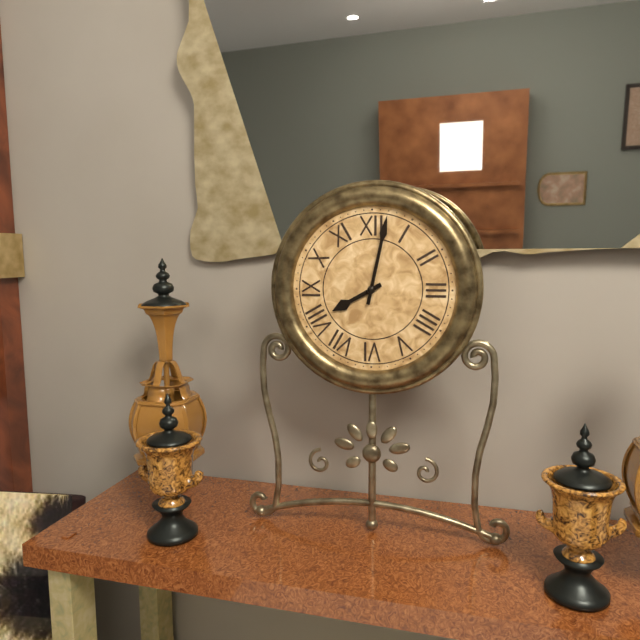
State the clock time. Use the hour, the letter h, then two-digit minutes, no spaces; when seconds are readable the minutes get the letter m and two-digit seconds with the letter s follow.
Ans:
8h02
